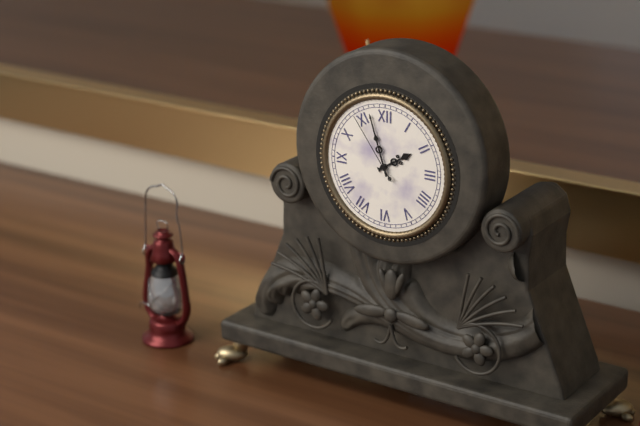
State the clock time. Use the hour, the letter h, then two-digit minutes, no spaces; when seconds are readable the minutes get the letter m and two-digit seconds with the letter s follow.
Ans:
1h57m54s
